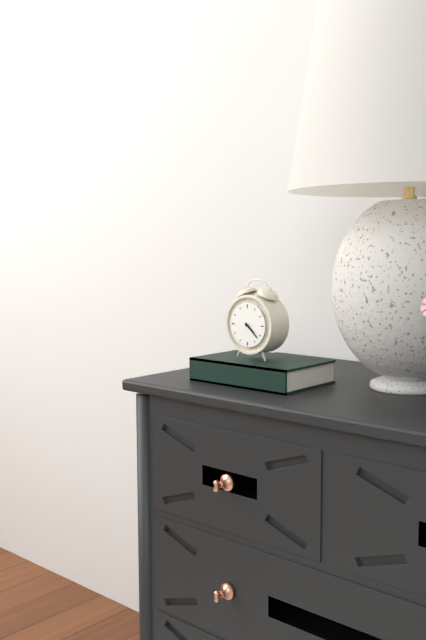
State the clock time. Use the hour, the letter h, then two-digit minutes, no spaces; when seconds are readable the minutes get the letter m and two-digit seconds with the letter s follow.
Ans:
4h22
